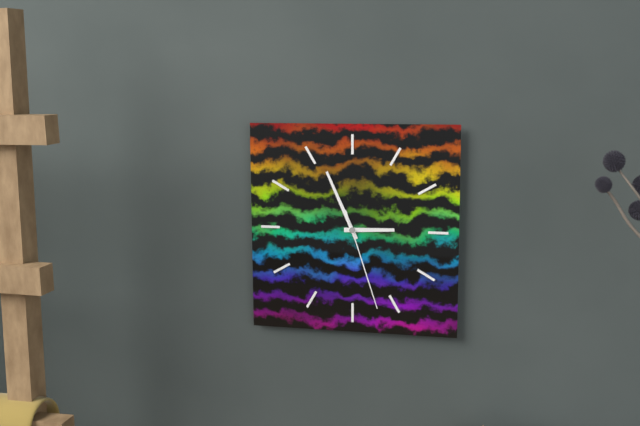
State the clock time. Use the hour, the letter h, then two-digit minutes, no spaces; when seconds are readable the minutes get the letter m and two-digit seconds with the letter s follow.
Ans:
2h56m27s
